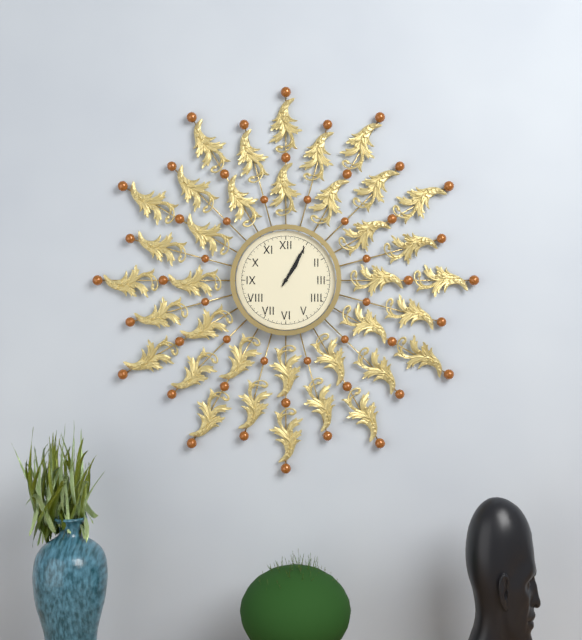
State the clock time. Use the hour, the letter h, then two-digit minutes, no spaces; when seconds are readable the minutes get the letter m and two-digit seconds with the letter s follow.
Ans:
1h05
